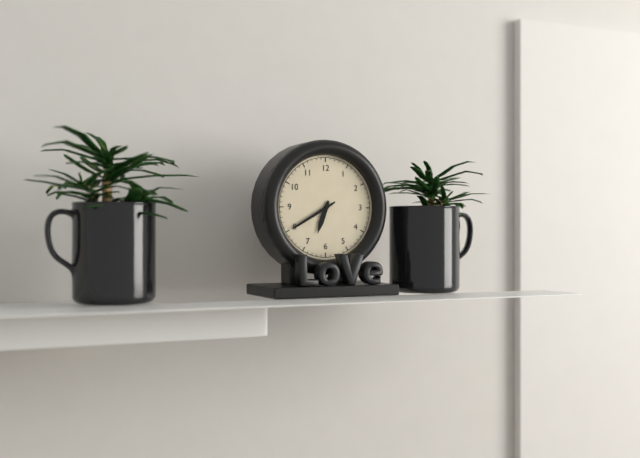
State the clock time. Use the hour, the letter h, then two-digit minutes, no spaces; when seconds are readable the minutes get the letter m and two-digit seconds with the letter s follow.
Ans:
6h40
